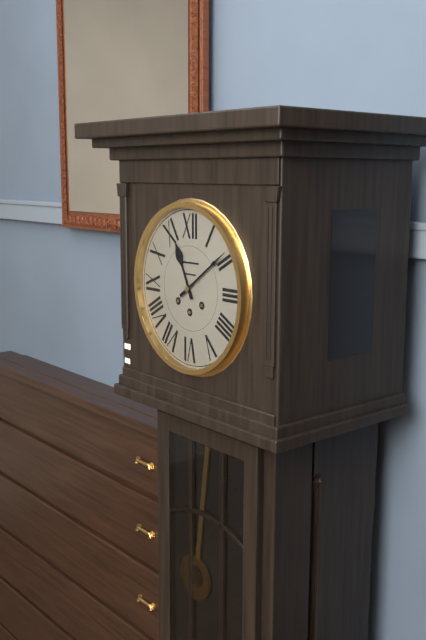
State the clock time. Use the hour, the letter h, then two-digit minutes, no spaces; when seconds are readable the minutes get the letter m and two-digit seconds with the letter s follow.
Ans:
11h09
